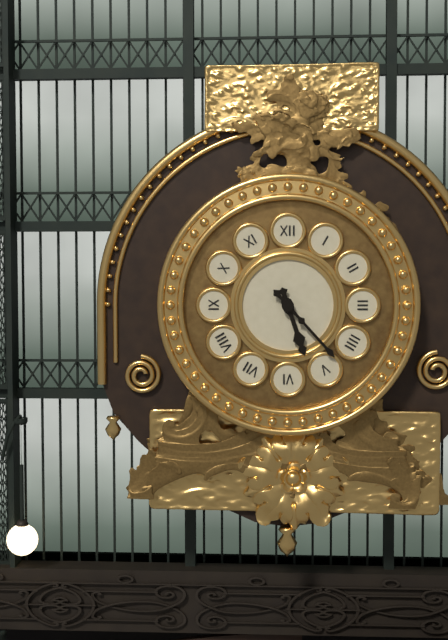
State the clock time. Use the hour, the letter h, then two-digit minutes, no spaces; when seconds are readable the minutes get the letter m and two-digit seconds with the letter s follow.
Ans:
5h23
